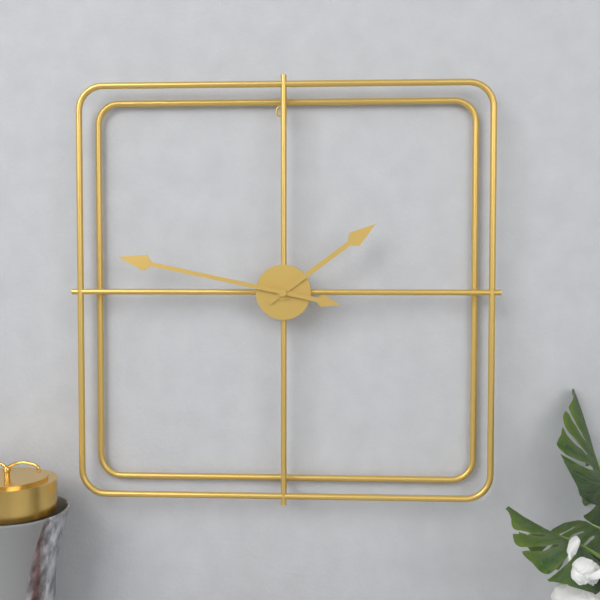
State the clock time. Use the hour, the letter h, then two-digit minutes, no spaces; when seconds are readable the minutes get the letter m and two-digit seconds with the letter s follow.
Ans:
1h47
